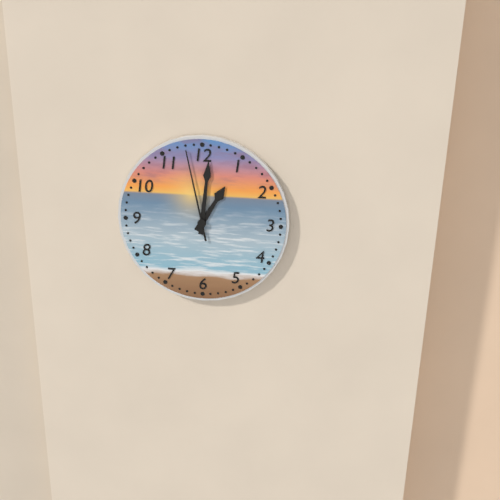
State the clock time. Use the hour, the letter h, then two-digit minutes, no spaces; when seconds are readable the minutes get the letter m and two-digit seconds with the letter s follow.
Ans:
1h01m58s
